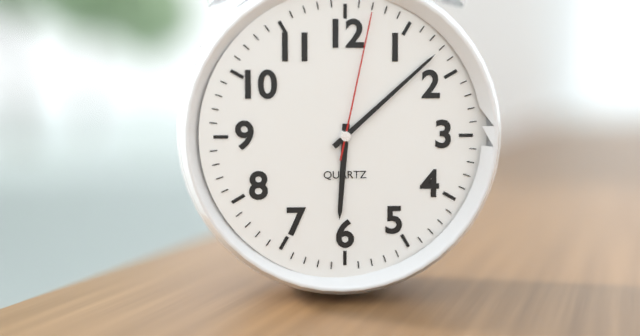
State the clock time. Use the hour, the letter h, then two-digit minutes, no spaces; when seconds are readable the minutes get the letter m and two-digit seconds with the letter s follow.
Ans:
6h08m02s
